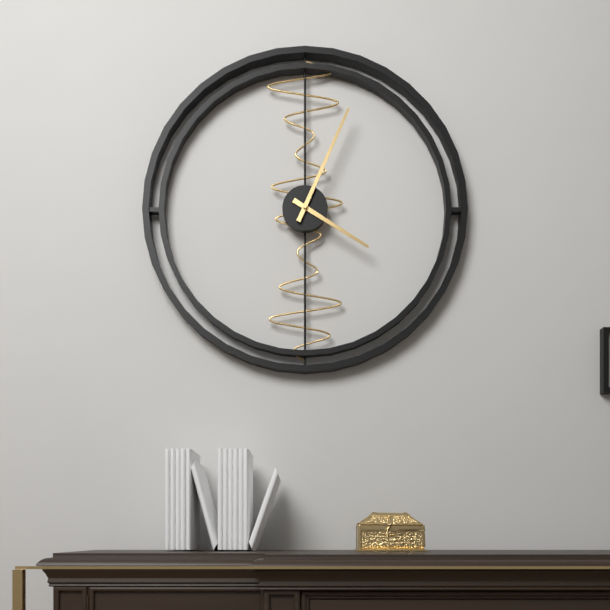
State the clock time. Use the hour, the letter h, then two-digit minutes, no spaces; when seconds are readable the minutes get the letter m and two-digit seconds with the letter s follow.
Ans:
4h04
